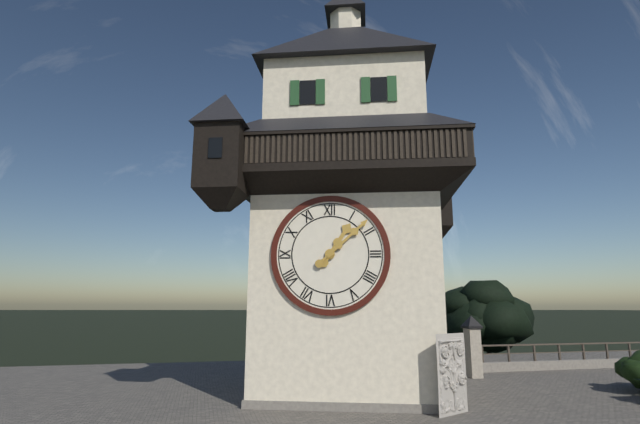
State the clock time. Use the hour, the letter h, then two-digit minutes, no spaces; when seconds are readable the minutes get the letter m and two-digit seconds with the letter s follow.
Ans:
1h08
